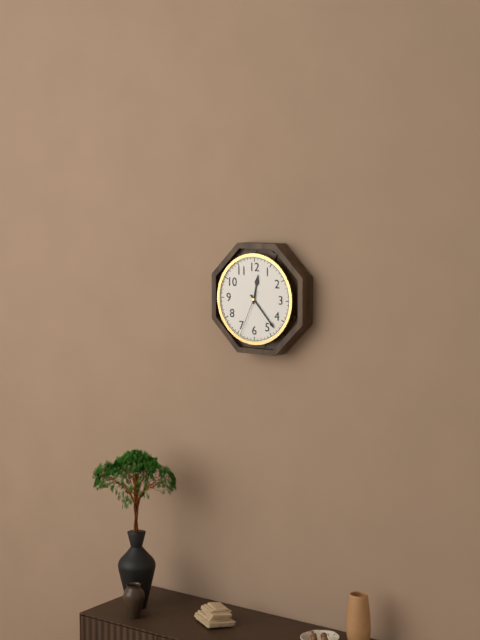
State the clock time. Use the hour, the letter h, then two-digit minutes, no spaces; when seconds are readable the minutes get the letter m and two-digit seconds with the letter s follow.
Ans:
12h23
